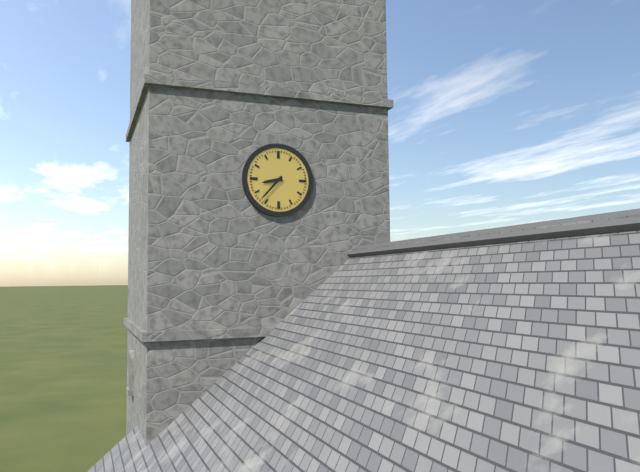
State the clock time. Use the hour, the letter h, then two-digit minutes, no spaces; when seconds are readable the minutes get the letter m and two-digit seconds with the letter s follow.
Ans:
8h37
